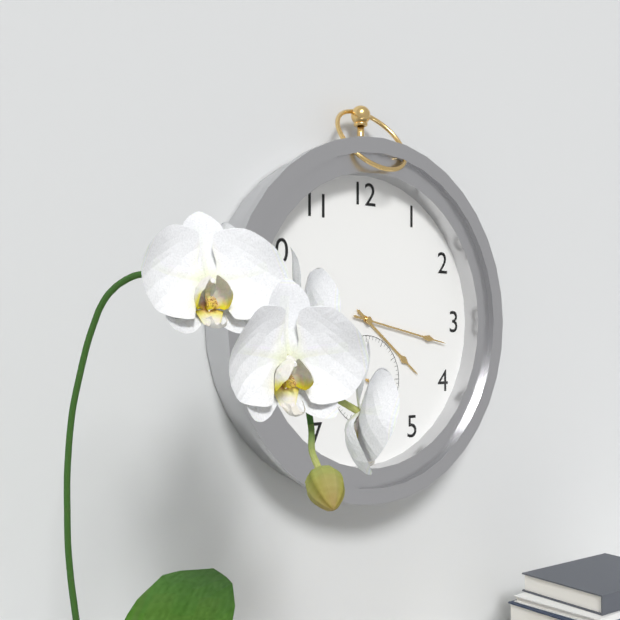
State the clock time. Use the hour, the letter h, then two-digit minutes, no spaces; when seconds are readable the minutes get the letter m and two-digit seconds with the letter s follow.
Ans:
4h17
